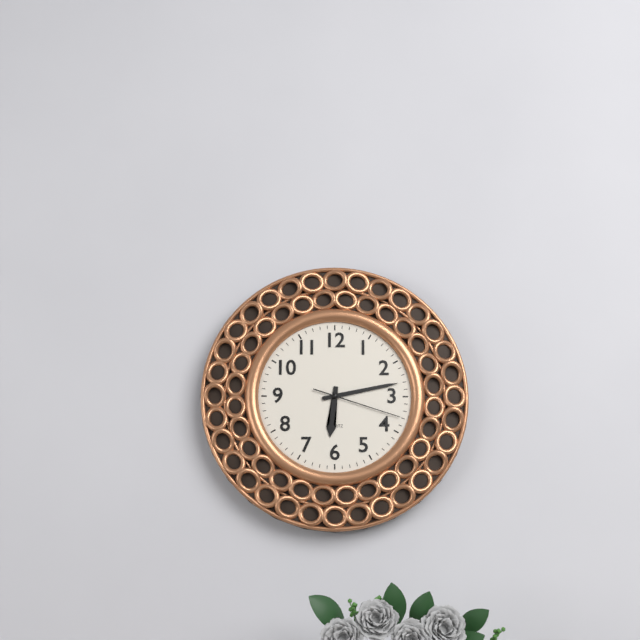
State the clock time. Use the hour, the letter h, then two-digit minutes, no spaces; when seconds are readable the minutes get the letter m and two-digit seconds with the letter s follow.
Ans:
6h13m18s
